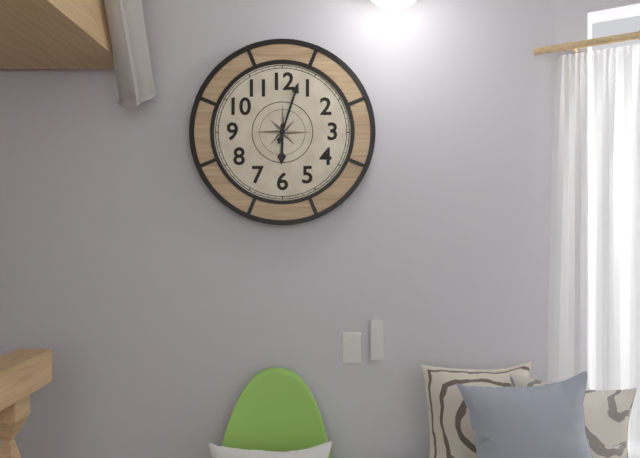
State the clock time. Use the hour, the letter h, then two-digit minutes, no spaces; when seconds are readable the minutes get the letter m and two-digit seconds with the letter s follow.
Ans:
6h03
